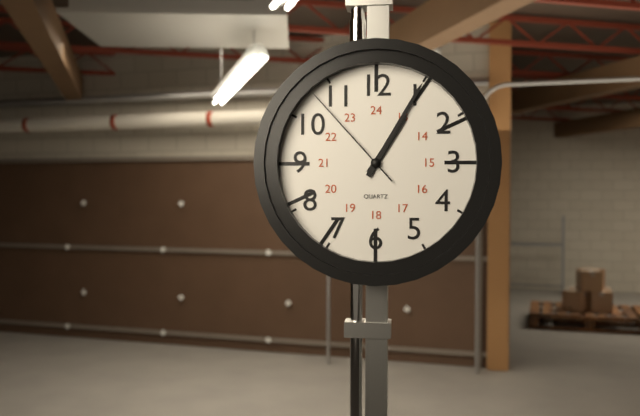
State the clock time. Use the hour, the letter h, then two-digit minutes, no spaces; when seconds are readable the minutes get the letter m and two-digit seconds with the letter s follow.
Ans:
1h05m53s
